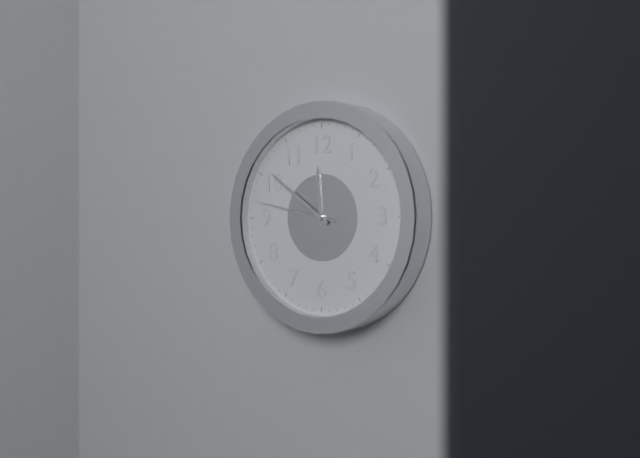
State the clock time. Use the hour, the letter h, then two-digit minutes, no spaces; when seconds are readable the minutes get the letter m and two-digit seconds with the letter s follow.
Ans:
11h51m47s
